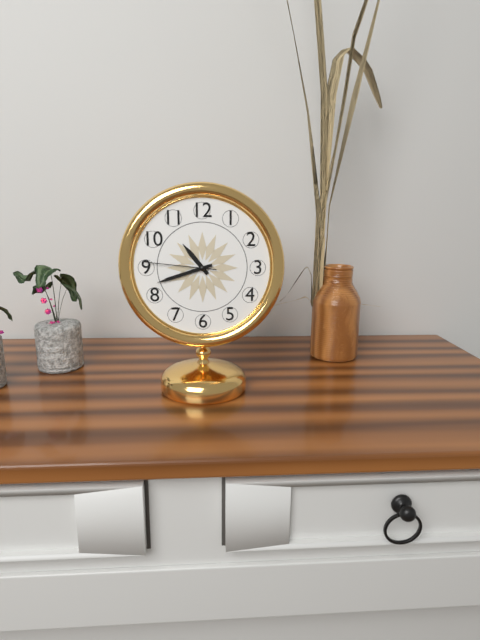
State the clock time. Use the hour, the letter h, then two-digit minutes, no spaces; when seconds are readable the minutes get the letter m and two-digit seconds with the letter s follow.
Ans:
10h42m46s
